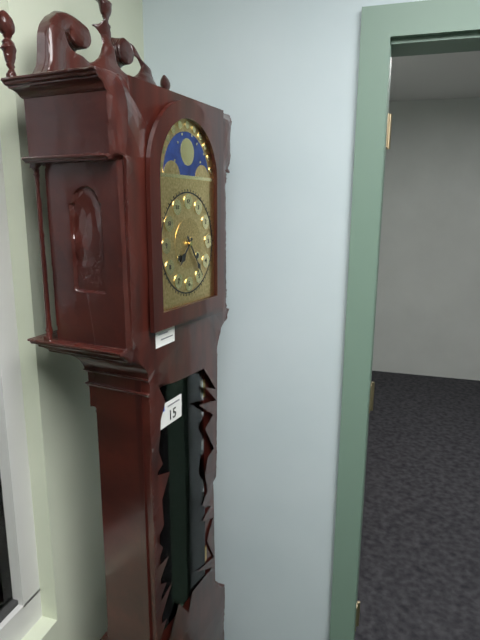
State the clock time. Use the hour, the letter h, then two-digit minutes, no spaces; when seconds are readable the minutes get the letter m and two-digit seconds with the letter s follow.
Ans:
7h24
